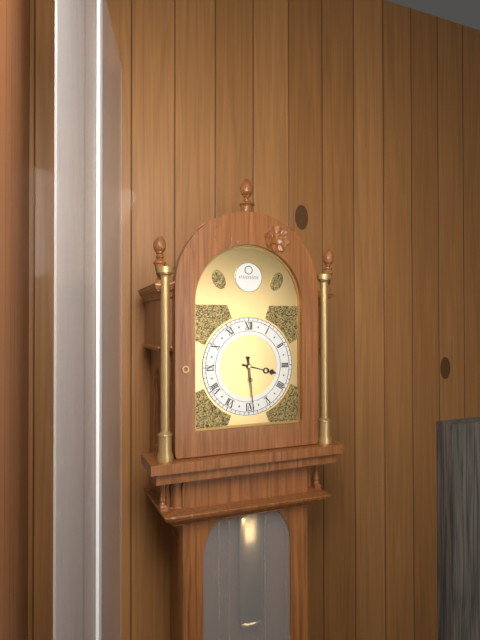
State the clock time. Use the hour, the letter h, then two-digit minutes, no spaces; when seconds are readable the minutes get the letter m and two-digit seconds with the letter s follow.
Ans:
3h29
